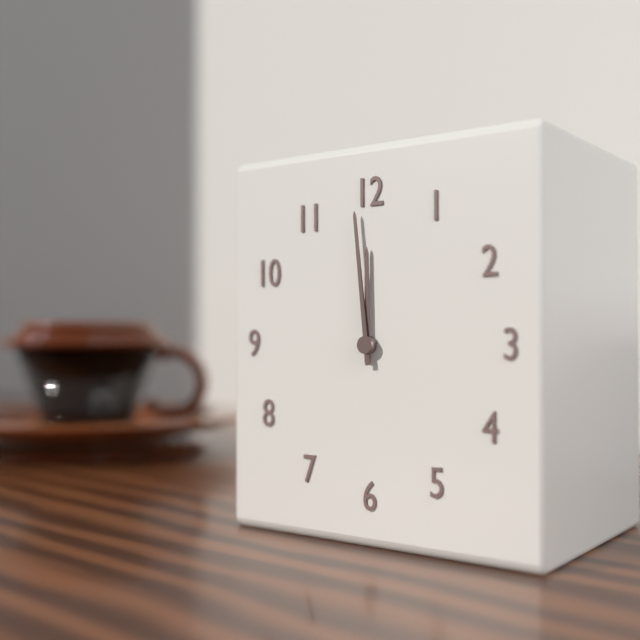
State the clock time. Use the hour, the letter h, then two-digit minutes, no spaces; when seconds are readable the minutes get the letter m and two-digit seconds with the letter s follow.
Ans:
11h59
